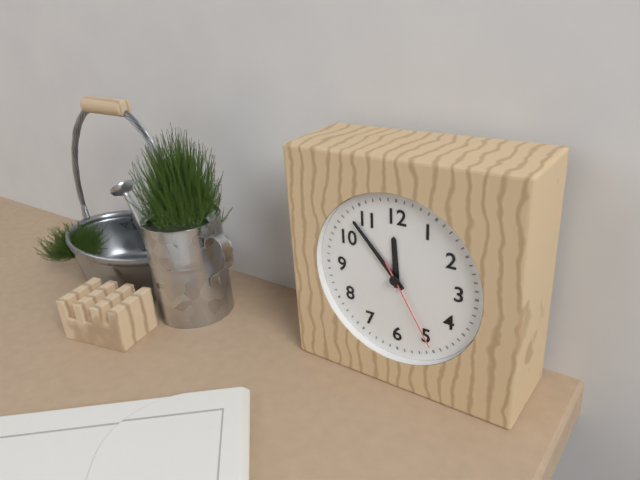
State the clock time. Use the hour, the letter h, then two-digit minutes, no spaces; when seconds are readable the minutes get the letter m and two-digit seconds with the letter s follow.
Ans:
11h53m25s
